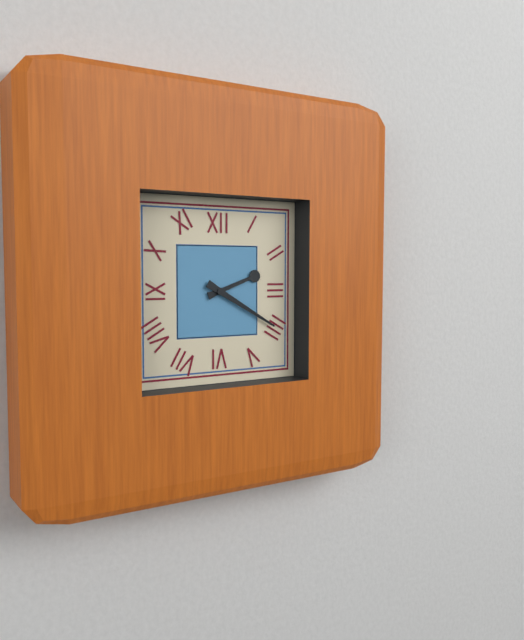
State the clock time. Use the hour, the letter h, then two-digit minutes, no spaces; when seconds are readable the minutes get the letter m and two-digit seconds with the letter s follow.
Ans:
2h20
